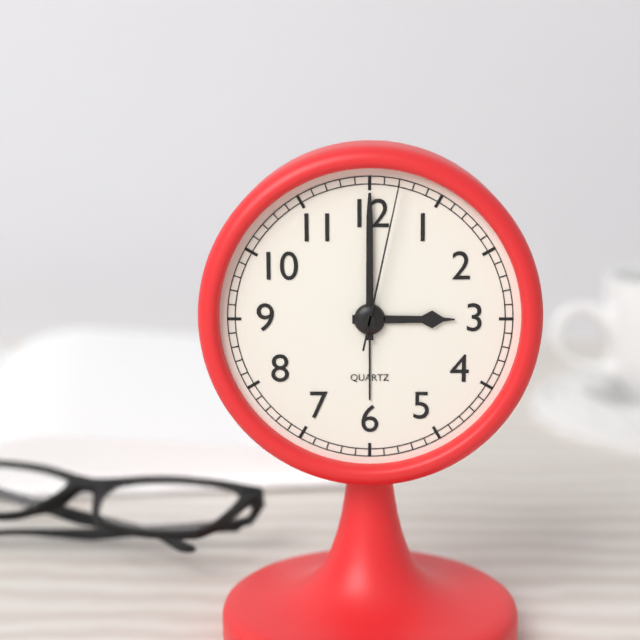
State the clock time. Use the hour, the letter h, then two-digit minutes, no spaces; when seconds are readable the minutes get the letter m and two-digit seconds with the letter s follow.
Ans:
3h00m02s
